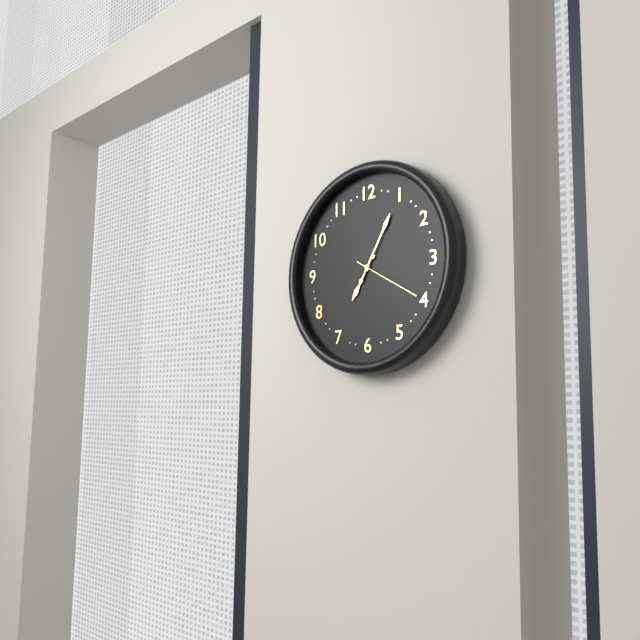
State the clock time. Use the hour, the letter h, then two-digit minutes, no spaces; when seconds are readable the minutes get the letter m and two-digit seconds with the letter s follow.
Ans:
7h05m20s
